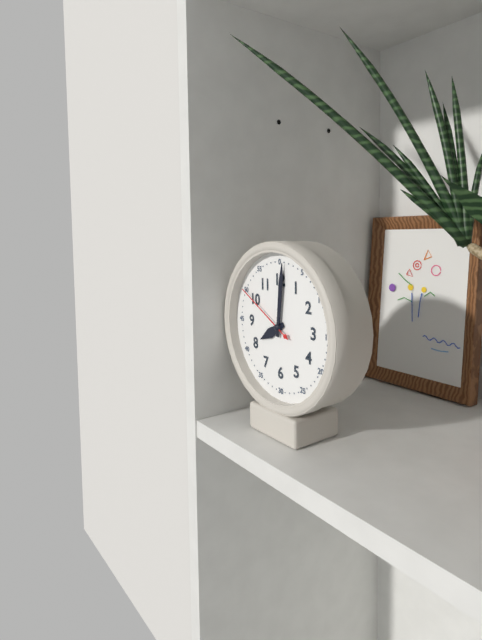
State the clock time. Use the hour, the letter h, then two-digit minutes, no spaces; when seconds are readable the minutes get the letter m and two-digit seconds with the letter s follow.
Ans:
8h01m50s
